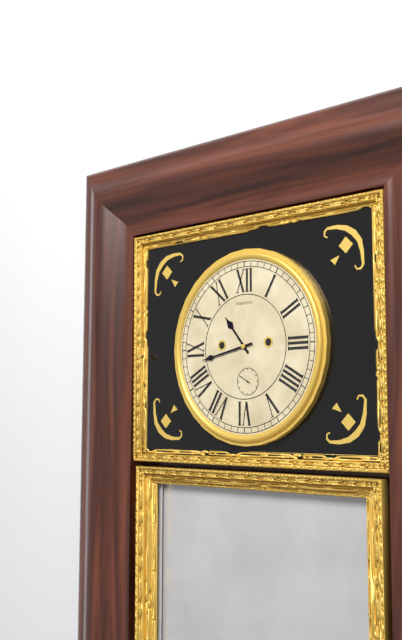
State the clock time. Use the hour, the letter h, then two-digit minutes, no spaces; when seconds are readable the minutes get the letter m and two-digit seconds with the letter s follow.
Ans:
10h43
